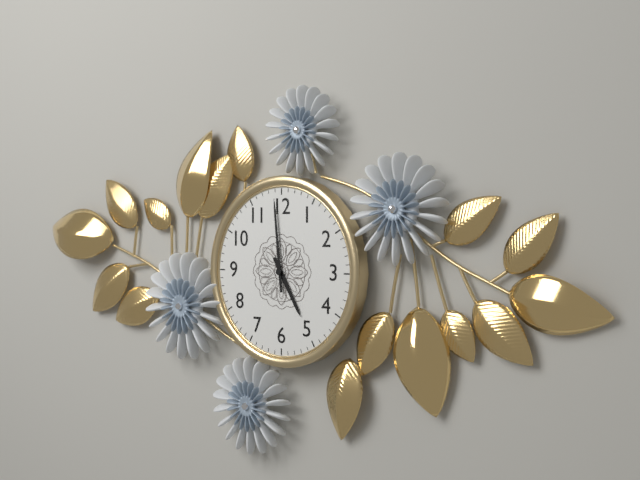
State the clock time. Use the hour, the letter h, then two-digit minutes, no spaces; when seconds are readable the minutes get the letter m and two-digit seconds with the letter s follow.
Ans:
4h59
